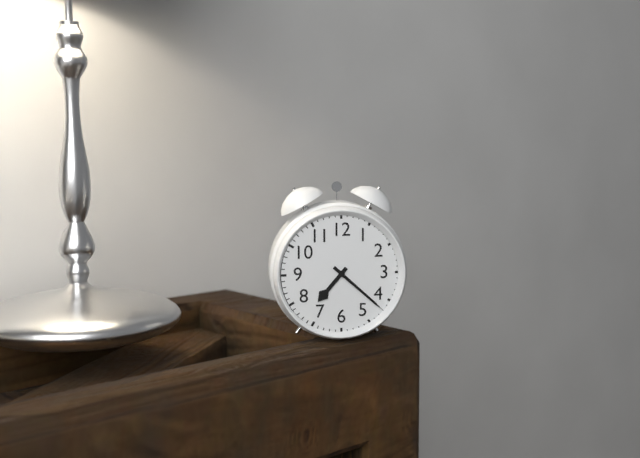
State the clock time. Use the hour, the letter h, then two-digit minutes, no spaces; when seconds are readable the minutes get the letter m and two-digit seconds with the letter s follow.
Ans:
7h22
